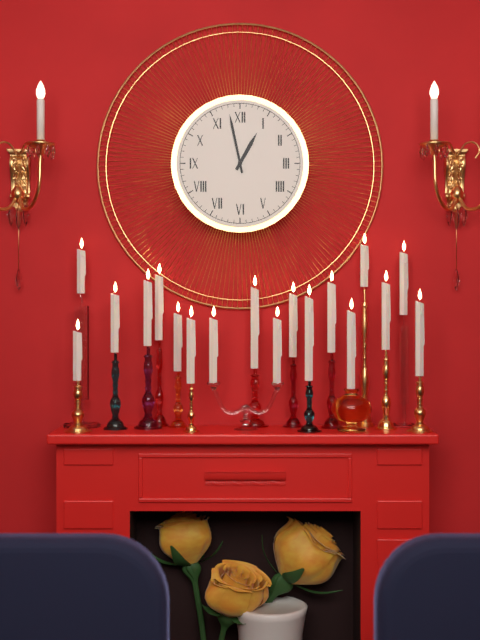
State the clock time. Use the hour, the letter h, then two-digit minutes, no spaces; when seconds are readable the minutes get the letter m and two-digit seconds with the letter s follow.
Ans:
12h58
